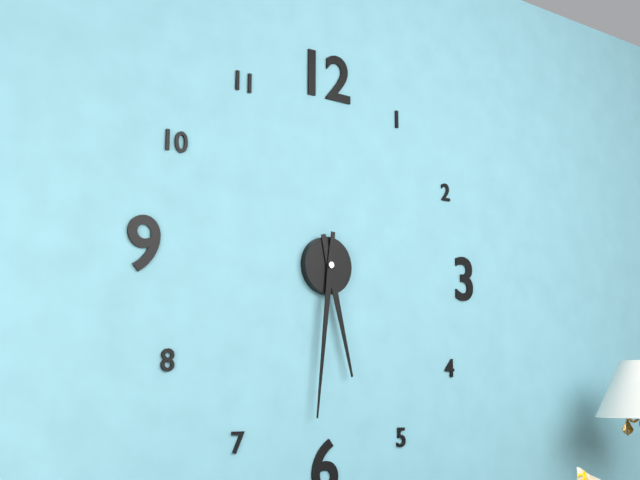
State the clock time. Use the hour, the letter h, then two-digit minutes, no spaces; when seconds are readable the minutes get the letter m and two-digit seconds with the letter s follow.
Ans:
5h31
